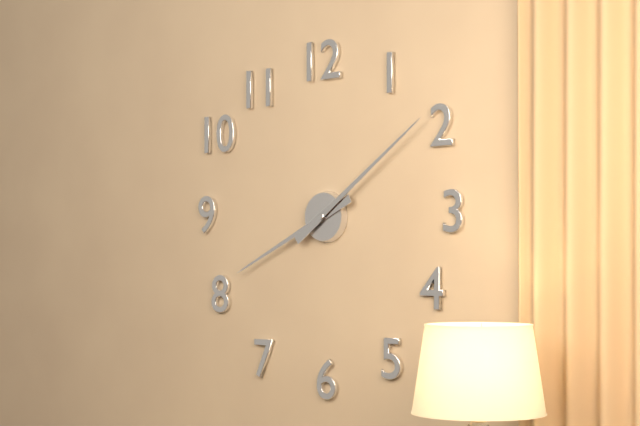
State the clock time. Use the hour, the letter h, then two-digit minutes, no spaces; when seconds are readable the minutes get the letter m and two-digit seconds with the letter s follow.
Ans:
8h09
